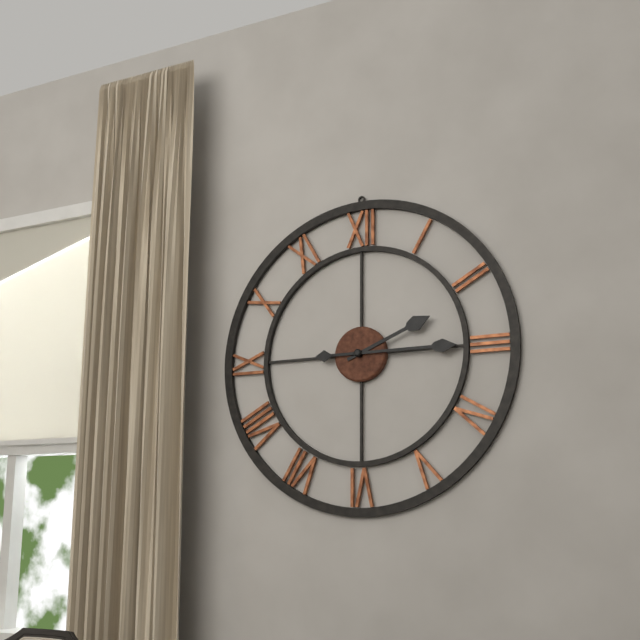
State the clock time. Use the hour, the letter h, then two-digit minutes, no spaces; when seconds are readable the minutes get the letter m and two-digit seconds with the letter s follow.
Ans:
2h15
